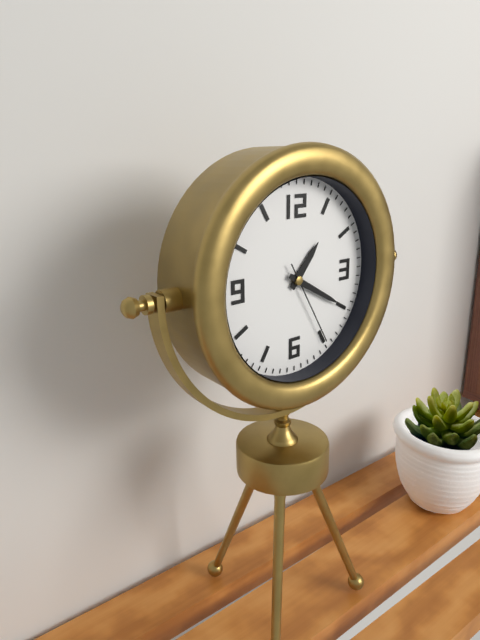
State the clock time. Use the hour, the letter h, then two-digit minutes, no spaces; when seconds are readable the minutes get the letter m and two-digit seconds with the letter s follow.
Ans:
1h20m25s
